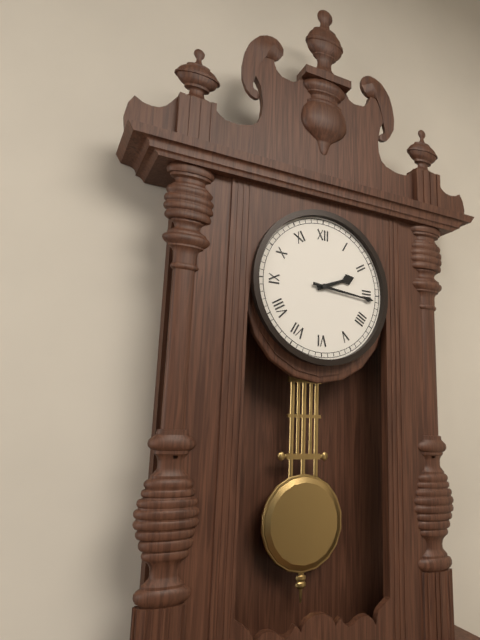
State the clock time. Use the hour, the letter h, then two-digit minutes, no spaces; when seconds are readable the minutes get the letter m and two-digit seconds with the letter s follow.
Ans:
2h16
